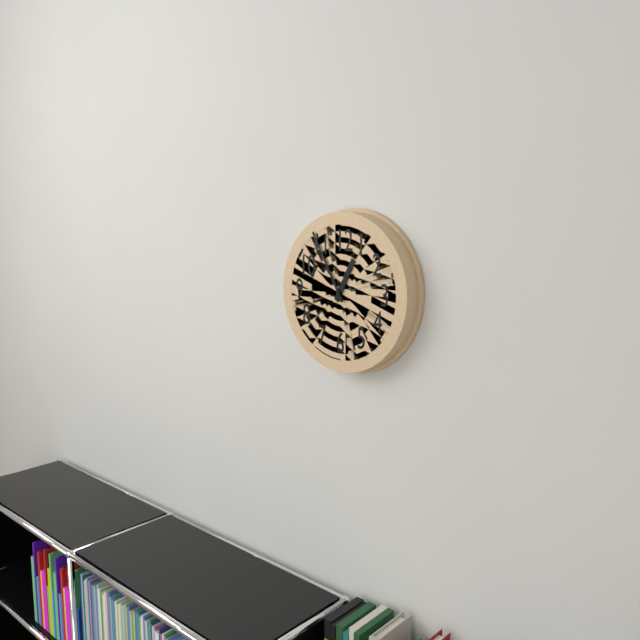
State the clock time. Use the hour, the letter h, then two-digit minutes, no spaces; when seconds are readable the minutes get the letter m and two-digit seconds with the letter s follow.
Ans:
12h55
